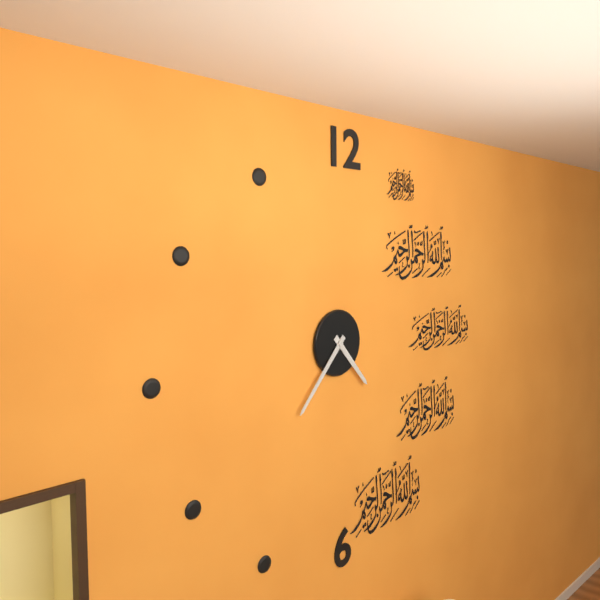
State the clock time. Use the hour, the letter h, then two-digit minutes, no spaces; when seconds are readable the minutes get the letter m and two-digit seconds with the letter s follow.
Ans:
4h37
